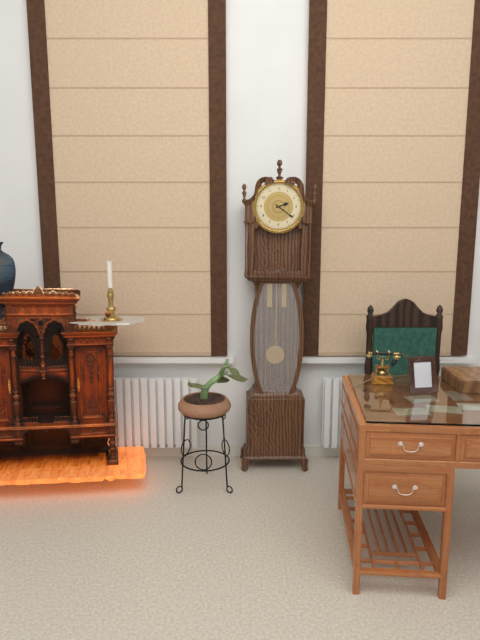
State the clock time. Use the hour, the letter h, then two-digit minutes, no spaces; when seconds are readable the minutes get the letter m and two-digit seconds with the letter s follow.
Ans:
2h21
